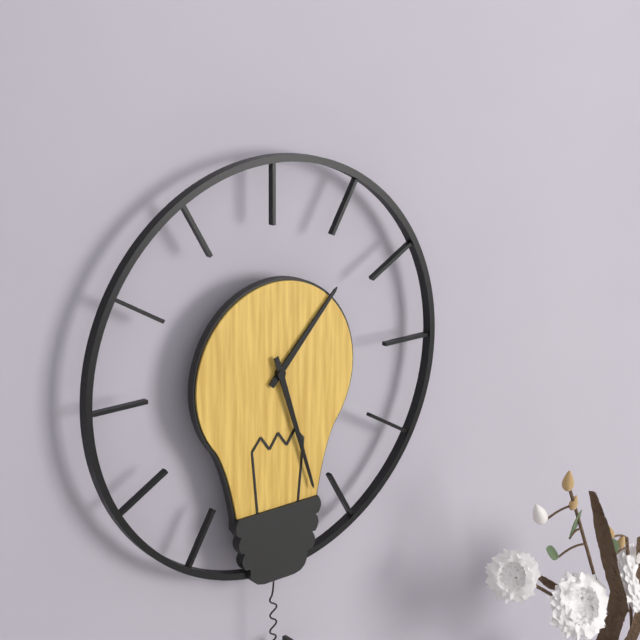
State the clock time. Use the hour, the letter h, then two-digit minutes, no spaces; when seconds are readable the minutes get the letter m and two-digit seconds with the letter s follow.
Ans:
1h27
